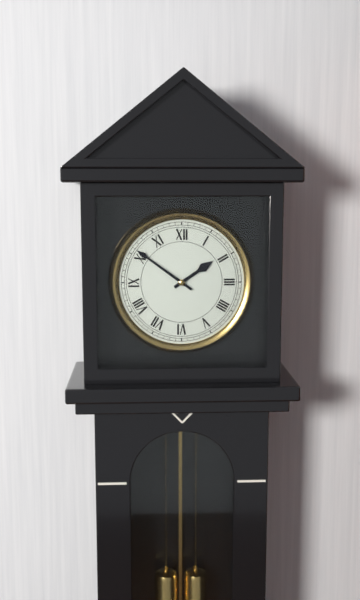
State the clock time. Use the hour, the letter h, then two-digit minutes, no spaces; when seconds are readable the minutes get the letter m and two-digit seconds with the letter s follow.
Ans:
1h51
